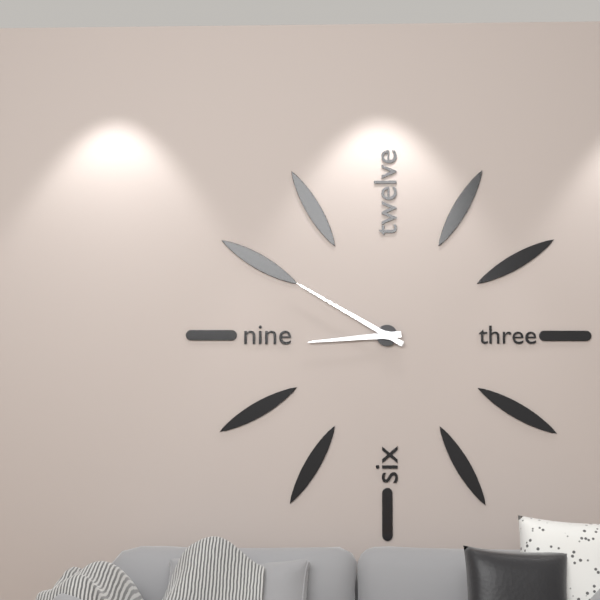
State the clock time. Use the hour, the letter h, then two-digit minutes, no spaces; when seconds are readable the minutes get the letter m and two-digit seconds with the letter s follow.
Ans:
8h50
